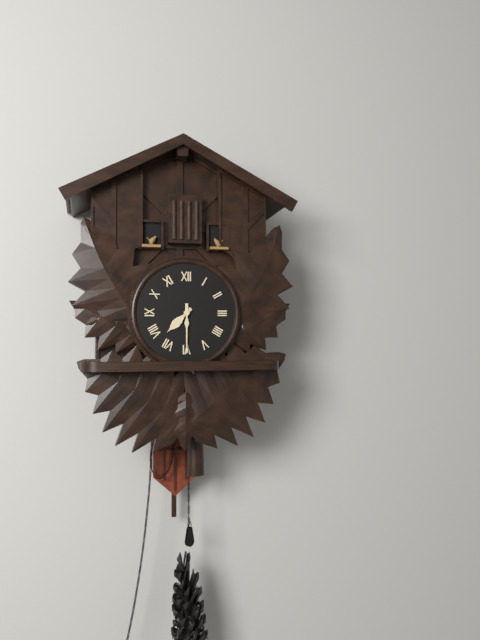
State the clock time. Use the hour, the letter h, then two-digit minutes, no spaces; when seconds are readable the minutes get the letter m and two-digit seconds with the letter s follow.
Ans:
7h30
